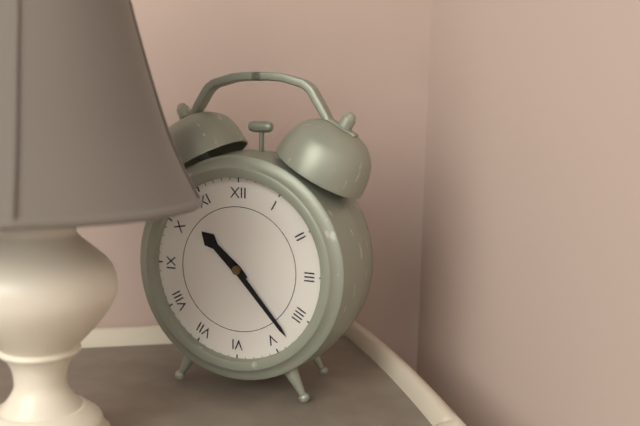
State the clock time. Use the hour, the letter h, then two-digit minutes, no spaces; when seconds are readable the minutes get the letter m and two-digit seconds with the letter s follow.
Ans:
10h23
